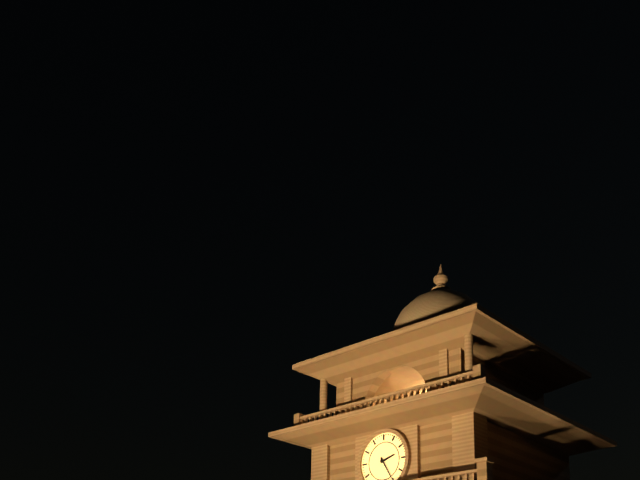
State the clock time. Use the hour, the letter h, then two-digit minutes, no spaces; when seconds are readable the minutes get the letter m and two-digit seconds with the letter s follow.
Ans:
2h25
